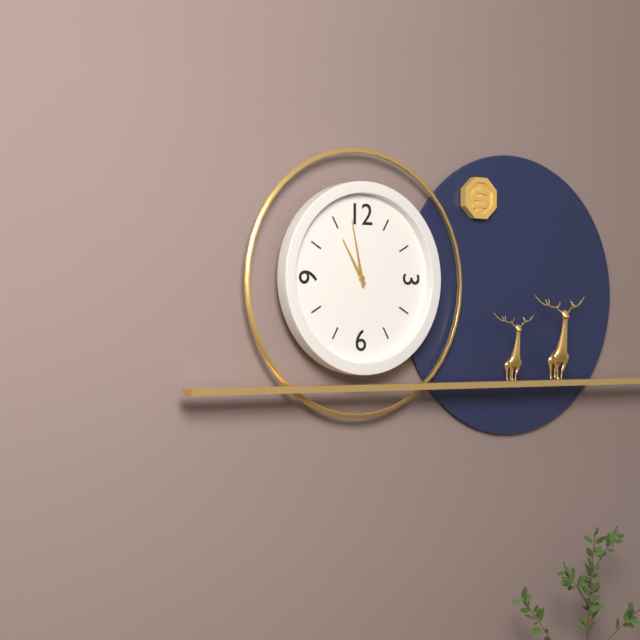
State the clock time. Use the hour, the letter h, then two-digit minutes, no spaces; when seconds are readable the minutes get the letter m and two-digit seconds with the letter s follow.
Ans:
10h58
